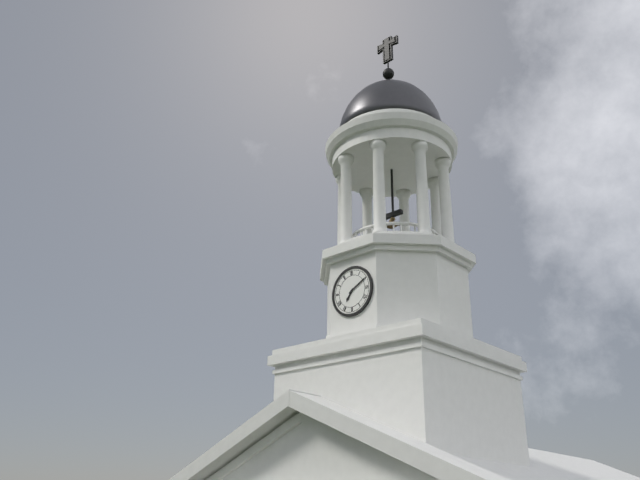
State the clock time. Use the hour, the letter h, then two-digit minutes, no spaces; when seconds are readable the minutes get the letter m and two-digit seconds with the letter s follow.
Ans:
7h10
